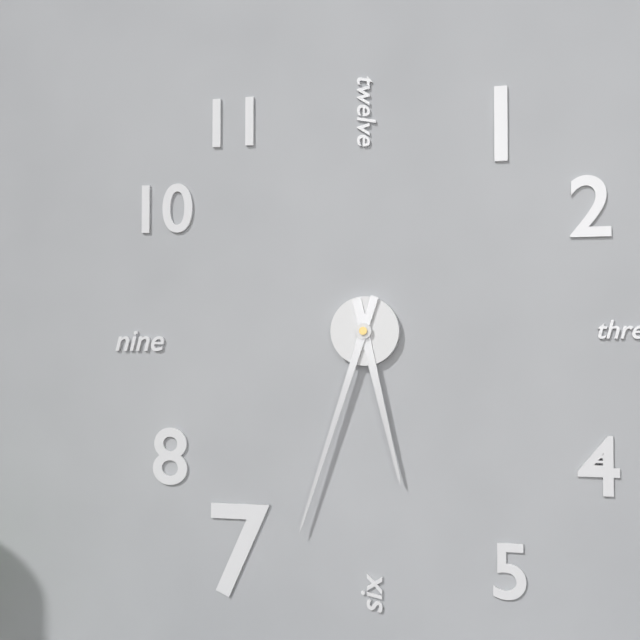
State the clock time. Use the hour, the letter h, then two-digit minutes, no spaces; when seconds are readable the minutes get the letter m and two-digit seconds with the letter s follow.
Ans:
5h33
